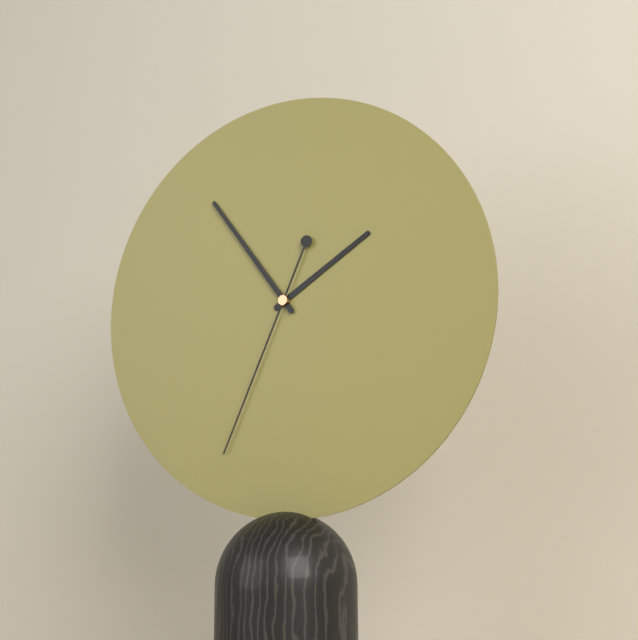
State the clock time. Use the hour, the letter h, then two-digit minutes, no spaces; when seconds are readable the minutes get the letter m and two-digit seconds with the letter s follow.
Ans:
1h54m34s
